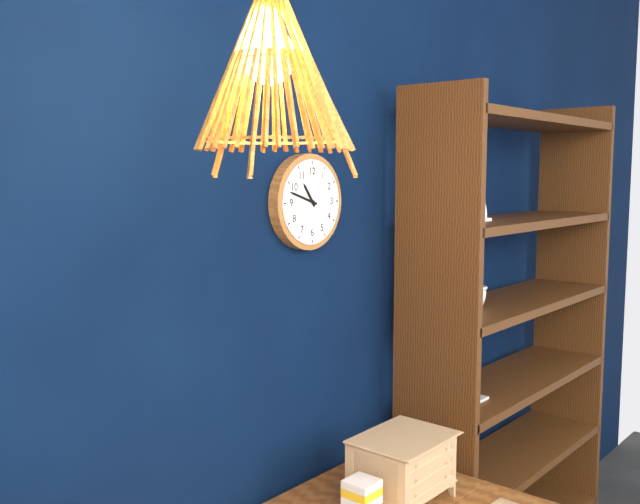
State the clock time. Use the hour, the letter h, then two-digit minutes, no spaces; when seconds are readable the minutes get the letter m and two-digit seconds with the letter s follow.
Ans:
10h48
